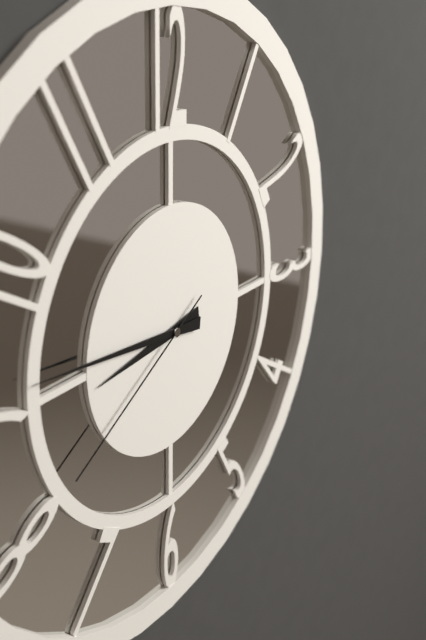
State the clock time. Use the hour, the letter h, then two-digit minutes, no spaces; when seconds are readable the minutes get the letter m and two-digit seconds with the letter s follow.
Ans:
8h46m40s
